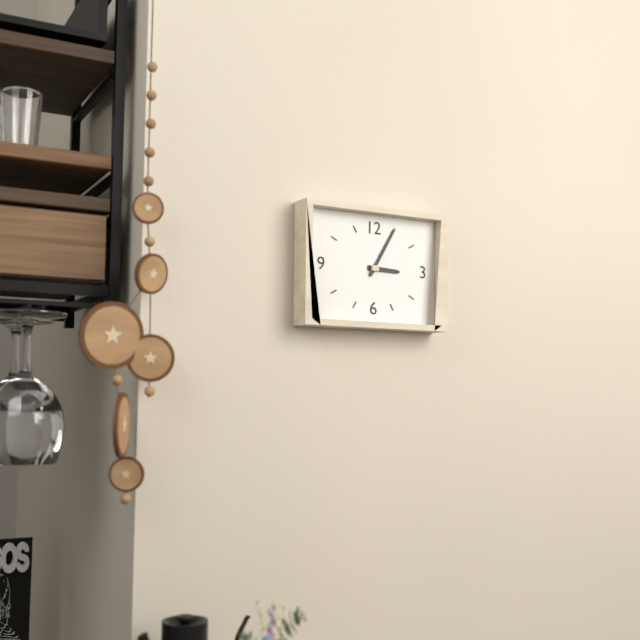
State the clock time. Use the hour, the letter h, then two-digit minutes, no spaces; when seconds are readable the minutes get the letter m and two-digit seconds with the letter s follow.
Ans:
3h05
